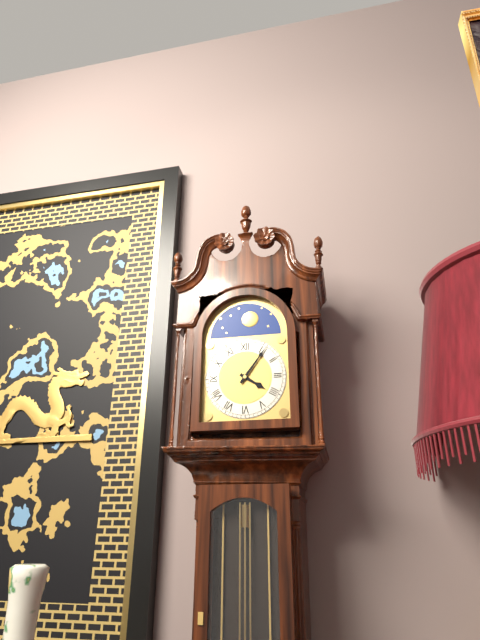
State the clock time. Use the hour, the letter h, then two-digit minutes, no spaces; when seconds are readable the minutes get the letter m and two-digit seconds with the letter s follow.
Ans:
4h06
